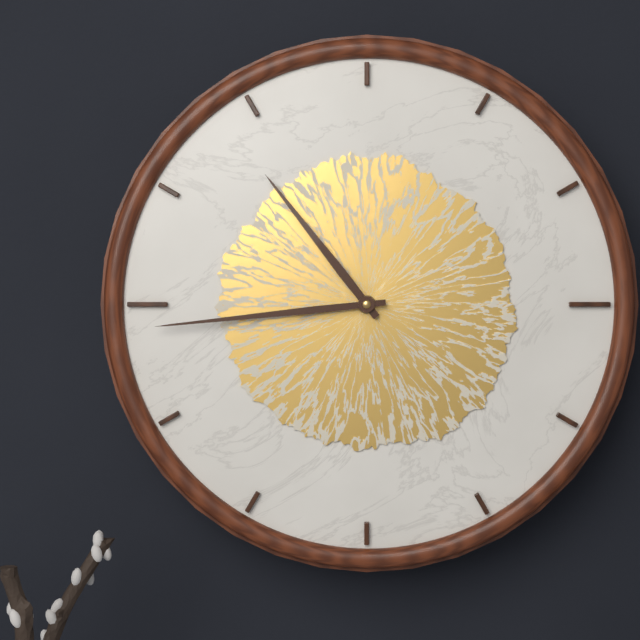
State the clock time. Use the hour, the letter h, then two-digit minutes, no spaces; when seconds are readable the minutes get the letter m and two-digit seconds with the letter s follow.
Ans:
10h44
